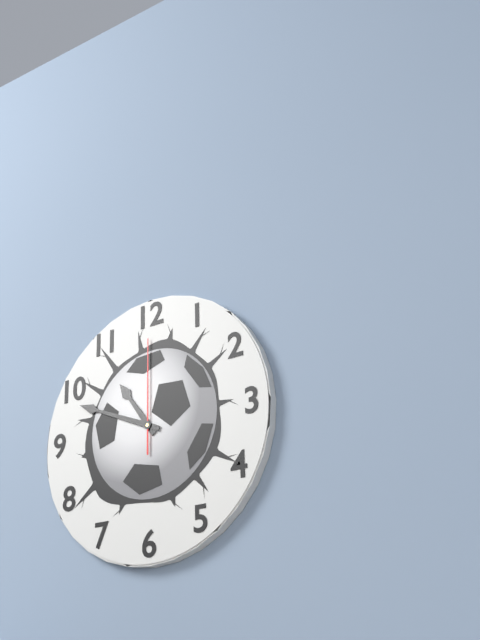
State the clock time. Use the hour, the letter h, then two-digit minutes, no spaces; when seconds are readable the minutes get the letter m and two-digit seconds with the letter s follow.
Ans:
10h49m00s
